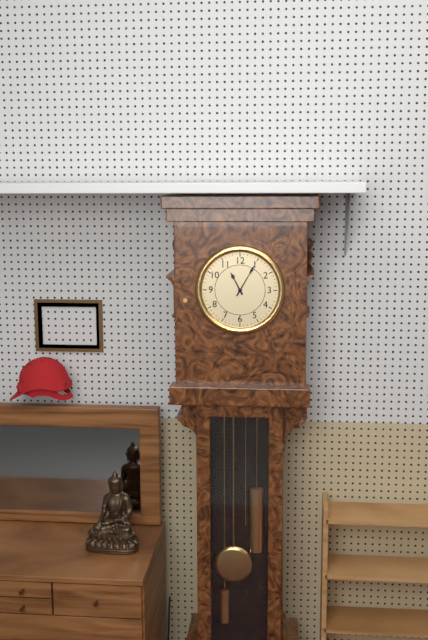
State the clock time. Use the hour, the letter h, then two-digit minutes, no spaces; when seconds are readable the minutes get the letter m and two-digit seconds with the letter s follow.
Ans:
11h05
